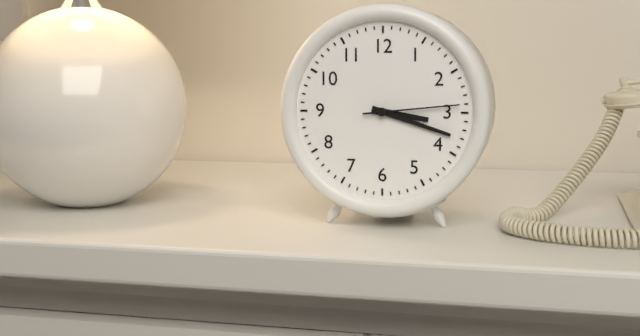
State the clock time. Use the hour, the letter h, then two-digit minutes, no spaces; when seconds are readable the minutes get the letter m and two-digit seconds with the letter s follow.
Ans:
3h18m14s
